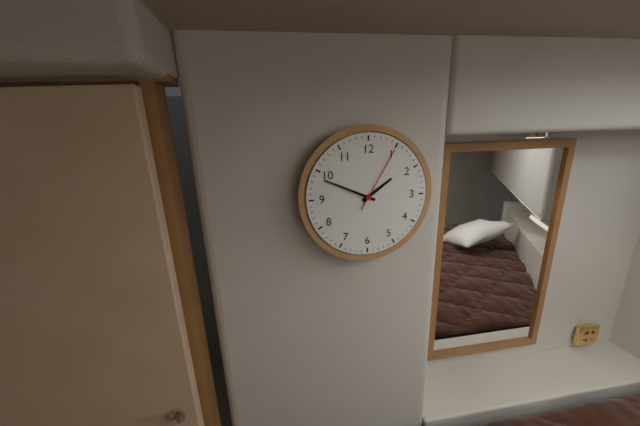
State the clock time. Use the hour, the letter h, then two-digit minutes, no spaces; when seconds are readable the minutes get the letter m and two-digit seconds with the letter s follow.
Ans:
1h49m05s
